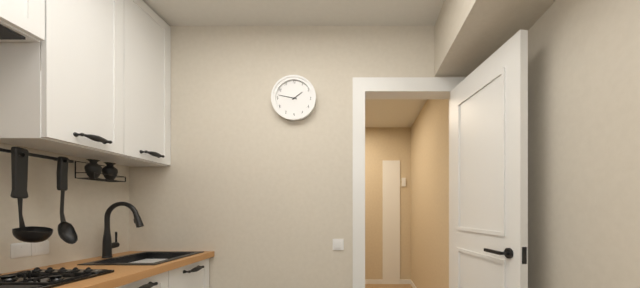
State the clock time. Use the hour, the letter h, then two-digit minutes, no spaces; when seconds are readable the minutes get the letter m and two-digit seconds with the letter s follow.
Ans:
1h47
